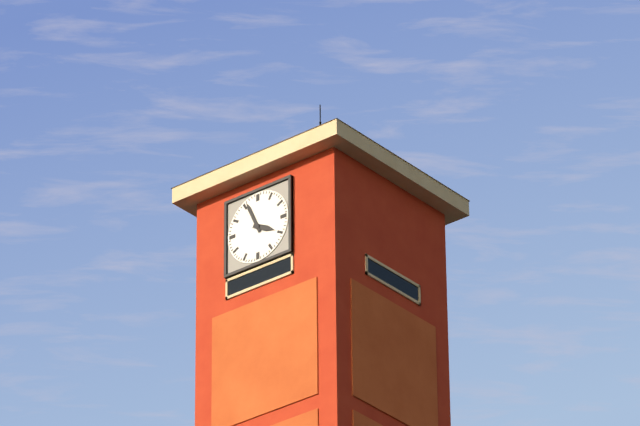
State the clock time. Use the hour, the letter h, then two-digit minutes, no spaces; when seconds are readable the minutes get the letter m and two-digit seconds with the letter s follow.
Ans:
3h56
